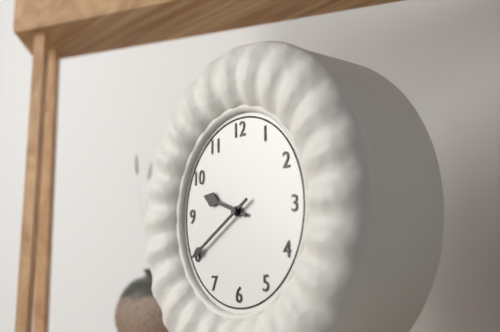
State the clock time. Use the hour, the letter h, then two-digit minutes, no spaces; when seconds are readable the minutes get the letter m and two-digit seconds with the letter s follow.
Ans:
9h40
